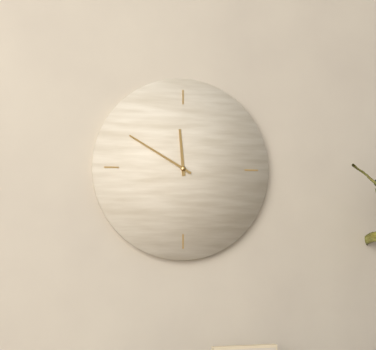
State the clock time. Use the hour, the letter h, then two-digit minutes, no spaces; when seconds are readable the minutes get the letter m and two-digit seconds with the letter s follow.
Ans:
11h50
